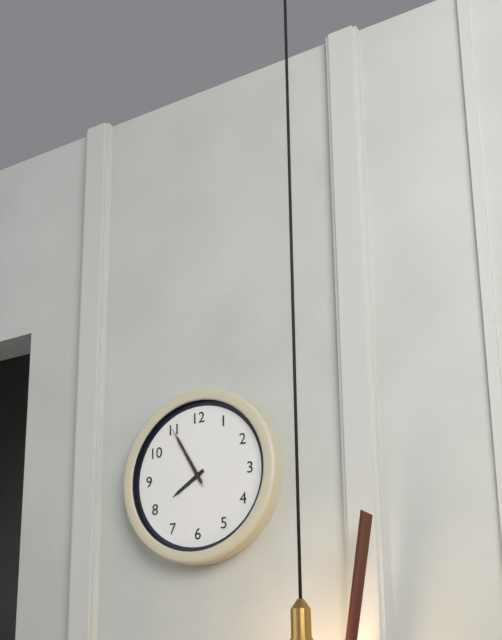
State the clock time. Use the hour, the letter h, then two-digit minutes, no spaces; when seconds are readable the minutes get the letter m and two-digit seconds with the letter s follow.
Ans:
7h55m55s
